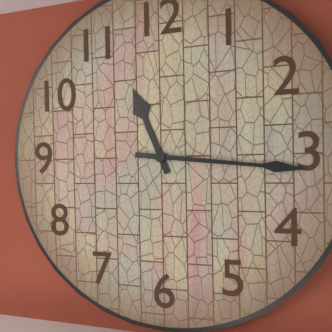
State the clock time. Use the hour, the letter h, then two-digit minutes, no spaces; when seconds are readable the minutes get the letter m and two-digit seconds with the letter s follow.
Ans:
11h16
